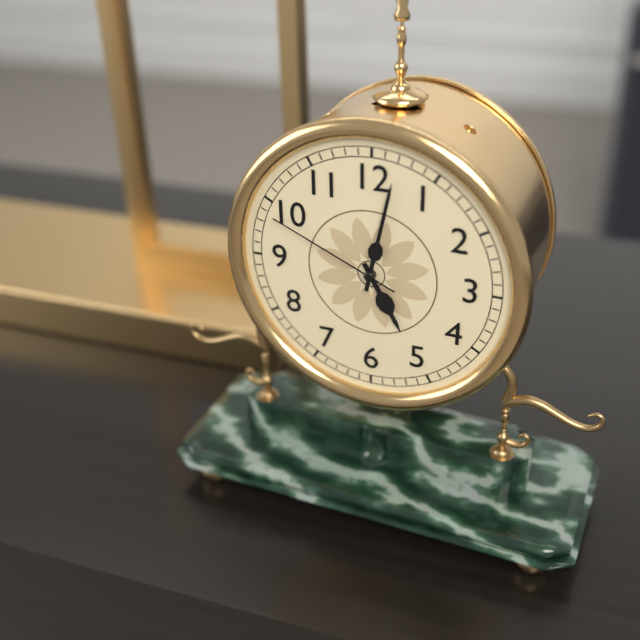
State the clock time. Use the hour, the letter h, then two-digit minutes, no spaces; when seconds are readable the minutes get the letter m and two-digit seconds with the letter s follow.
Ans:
5h02m49s
